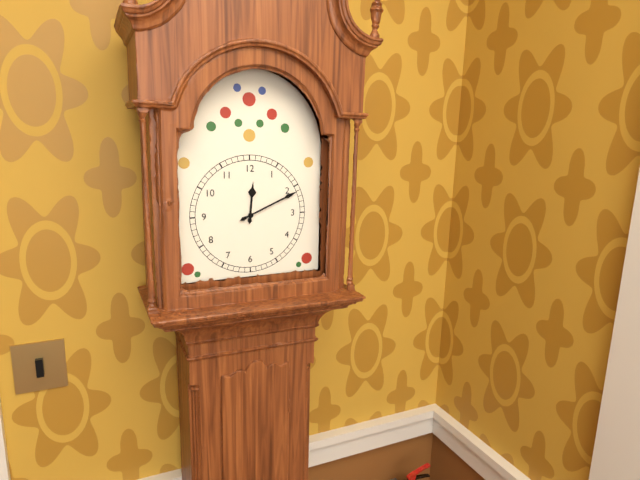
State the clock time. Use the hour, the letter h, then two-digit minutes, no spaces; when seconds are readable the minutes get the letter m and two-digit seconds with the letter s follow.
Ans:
12h11
